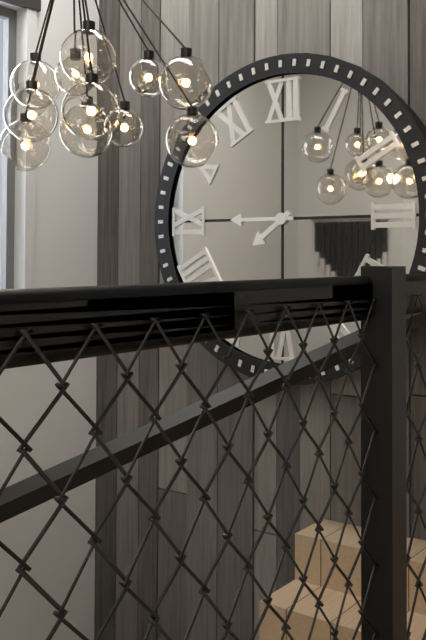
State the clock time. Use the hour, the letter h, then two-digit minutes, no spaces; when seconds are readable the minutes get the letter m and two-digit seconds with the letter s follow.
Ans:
7h45
